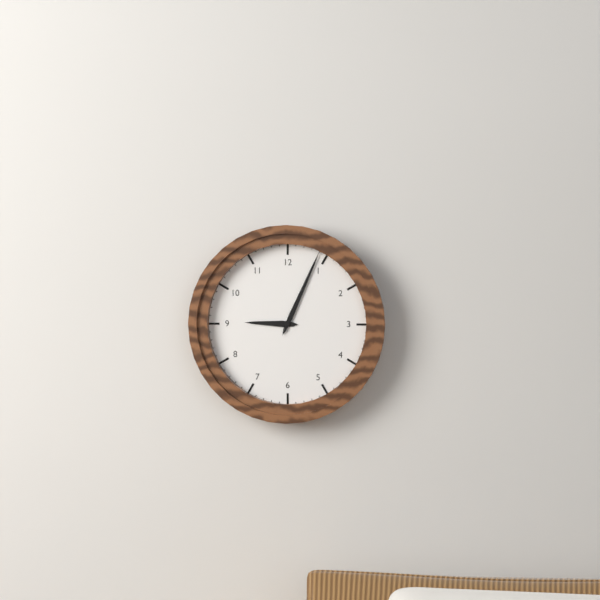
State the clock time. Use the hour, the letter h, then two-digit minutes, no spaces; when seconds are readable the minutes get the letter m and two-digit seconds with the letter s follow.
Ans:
9h04
